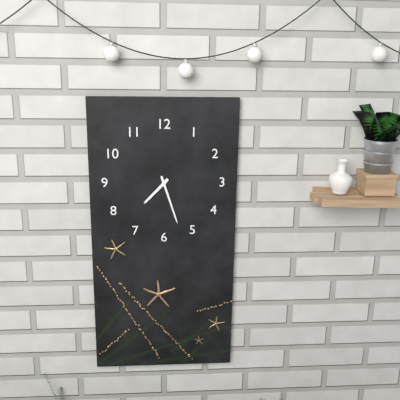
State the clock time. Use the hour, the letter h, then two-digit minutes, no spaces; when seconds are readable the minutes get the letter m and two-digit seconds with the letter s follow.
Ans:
7h27
